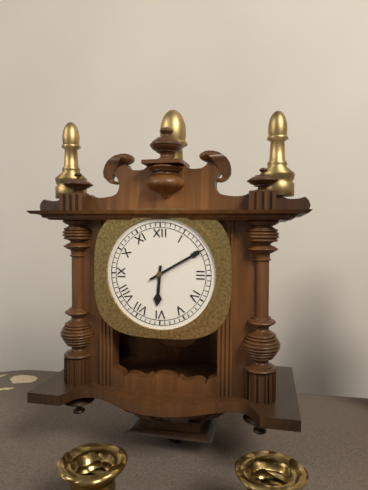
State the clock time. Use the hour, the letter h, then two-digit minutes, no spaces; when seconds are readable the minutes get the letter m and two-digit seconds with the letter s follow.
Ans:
6h10
